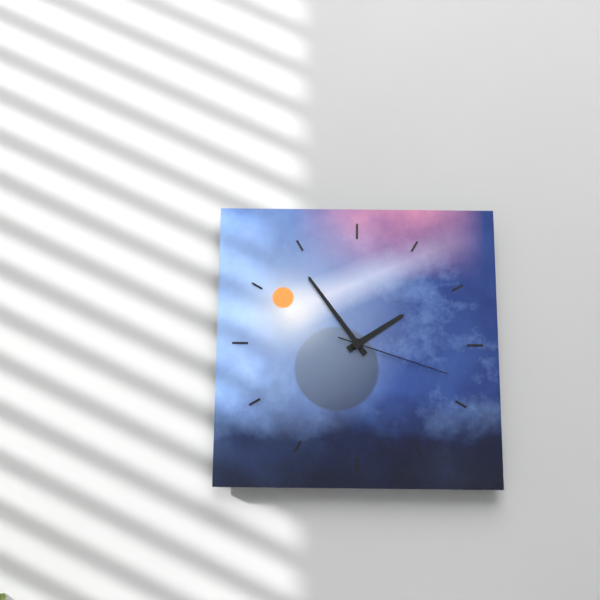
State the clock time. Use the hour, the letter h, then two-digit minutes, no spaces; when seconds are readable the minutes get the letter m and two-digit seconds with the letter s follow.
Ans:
1h54m18s
